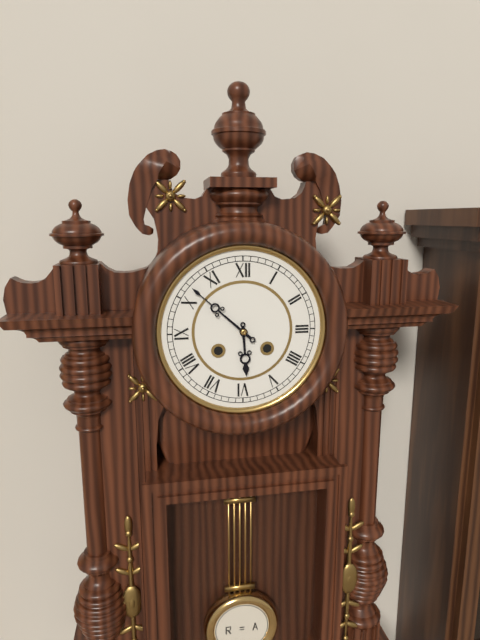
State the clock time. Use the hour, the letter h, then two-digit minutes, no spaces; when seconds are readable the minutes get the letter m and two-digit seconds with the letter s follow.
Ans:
5h52
